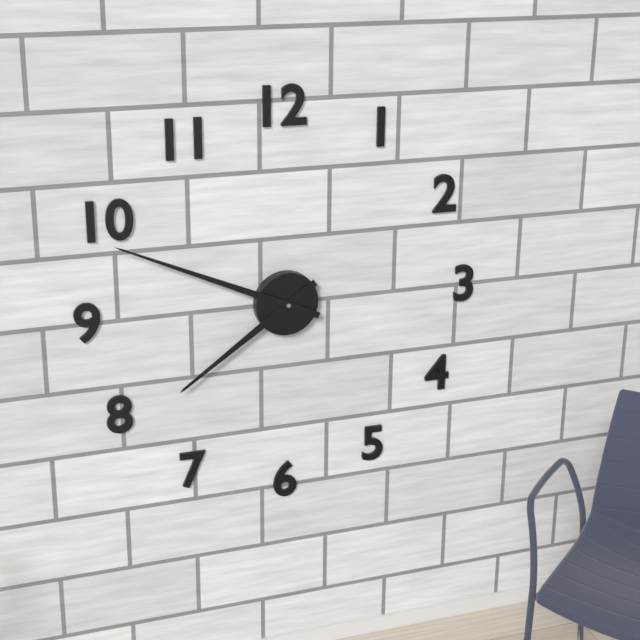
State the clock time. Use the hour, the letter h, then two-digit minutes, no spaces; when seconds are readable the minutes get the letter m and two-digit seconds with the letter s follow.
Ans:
7h49
